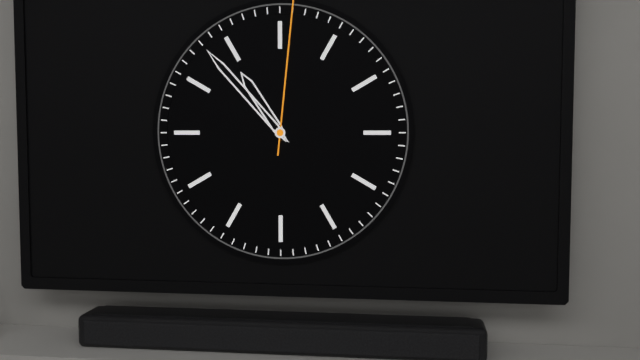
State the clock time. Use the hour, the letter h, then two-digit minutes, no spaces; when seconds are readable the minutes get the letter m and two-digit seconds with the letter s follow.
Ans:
10h53
